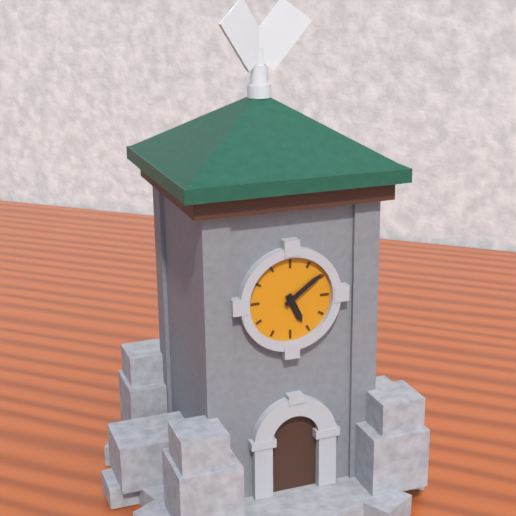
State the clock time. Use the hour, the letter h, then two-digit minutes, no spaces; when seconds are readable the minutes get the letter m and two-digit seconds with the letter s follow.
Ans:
5h09
